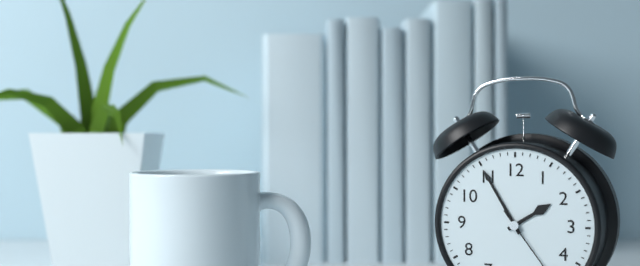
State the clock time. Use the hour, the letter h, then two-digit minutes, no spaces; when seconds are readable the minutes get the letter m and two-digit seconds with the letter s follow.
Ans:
1h55
